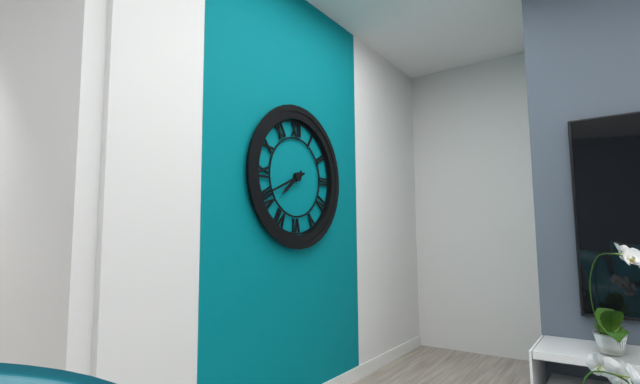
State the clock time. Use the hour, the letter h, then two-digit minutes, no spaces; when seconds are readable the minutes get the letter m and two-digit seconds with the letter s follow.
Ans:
7h41
